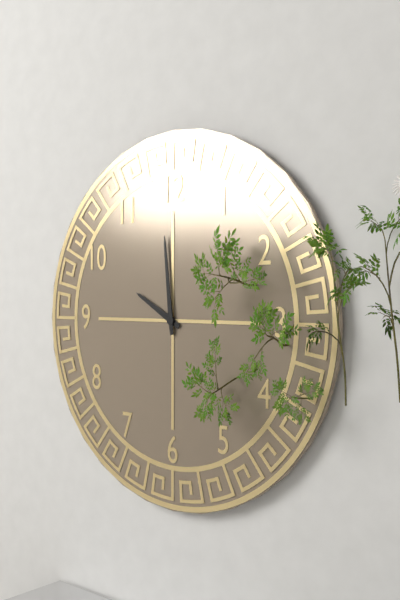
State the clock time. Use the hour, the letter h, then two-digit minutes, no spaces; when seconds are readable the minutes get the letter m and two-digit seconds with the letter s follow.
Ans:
9h59
